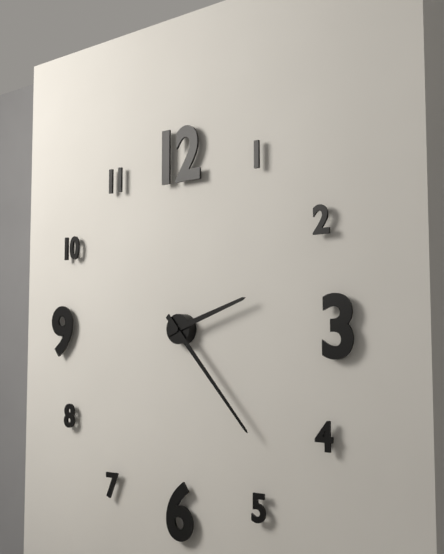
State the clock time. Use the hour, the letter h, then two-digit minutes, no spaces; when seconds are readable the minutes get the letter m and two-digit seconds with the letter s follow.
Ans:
2h23
